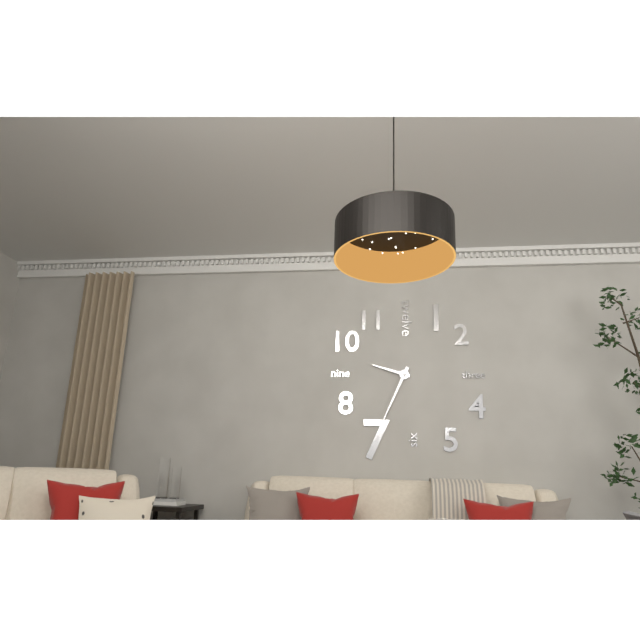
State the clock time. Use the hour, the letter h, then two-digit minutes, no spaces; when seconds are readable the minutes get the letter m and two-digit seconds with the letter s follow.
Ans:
9h34
